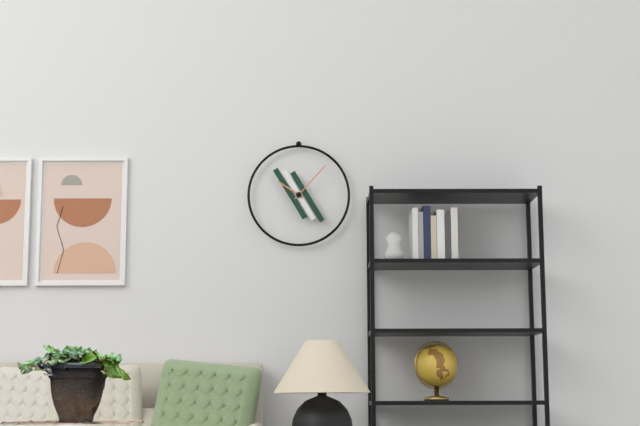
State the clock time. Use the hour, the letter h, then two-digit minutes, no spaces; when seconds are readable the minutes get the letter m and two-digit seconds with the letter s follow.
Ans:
10h07
